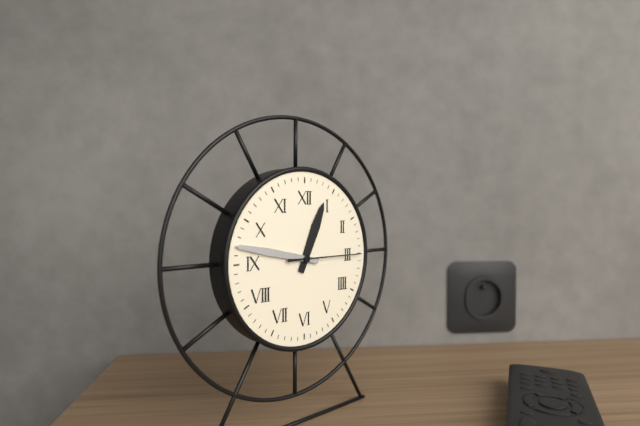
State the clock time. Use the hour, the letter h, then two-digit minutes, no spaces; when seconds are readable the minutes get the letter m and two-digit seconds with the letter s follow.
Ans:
12h47m15s
